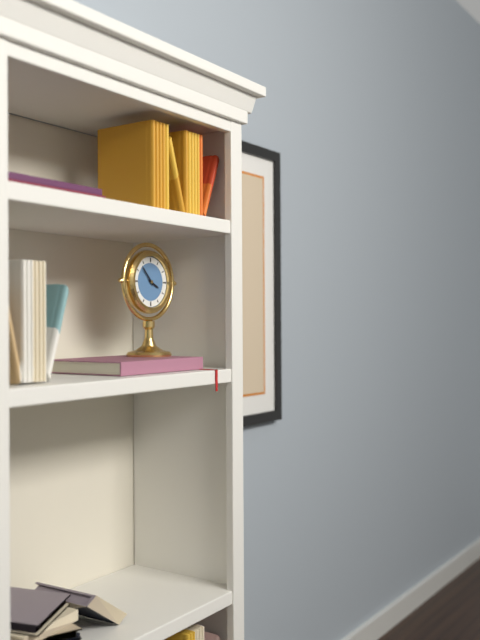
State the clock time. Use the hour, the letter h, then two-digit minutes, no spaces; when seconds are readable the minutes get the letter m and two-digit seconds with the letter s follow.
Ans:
3h53
